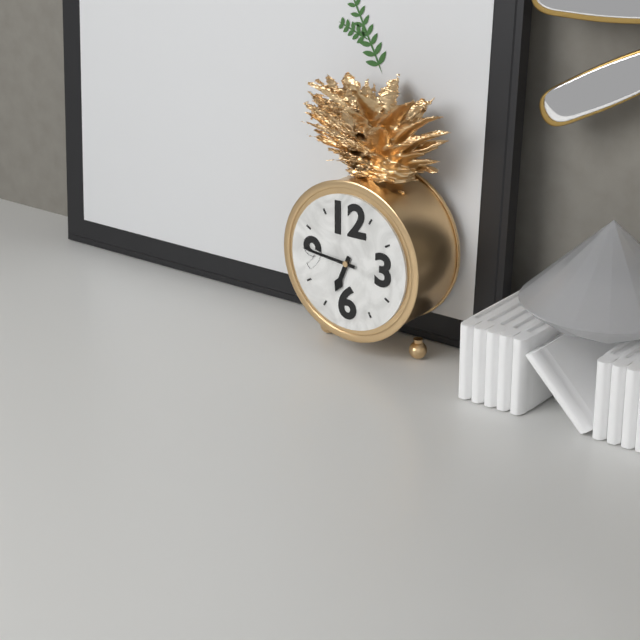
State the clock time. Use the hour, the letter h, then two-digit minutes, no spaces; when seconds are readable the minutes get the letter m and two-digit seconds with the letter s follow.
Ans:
6h46
